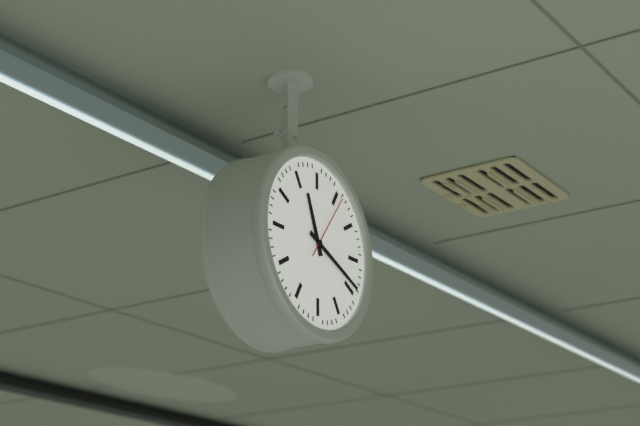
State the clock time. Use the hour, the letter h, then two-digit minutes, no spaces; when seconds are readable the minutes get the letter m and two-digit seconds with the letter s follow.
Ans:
11h19m06s
